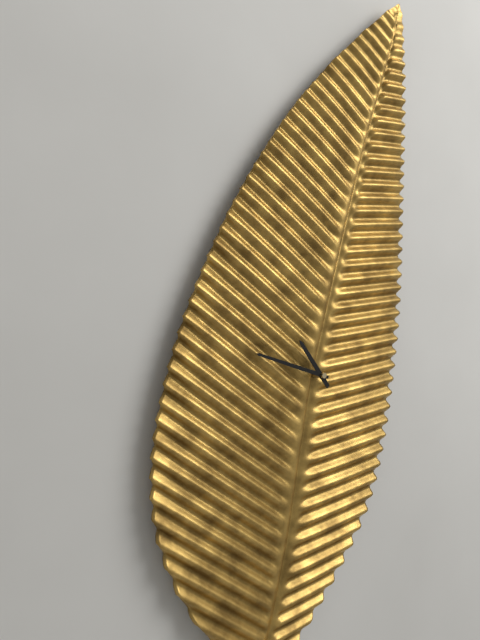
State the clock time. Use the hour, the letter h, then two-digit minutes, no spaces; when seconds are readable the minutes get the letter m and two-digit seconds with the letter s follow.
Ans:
10h48
